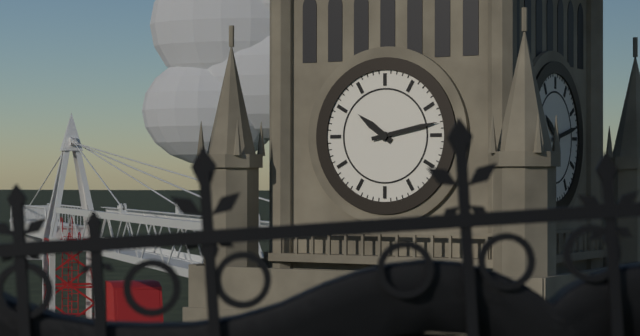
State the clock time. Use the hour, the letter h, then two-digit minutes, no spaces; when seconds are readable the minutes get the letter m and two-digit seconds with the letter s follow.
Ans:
10h13
